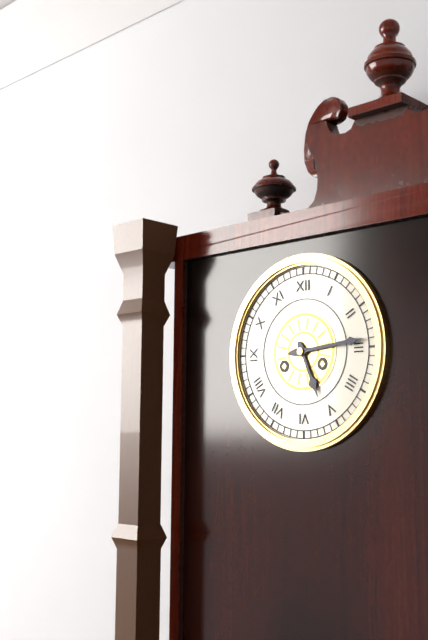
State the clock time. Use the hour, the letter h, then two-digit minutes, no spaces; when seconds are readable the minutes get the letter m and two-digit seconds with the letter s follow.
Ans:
5h14
